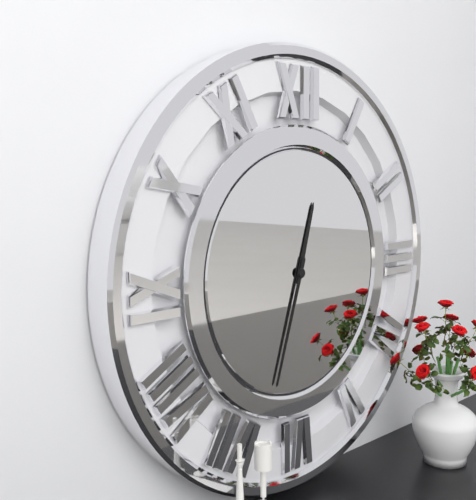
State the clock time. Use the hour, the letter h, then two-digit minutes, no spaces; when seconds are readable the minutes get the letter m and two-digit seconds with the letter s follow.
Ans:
12h33
